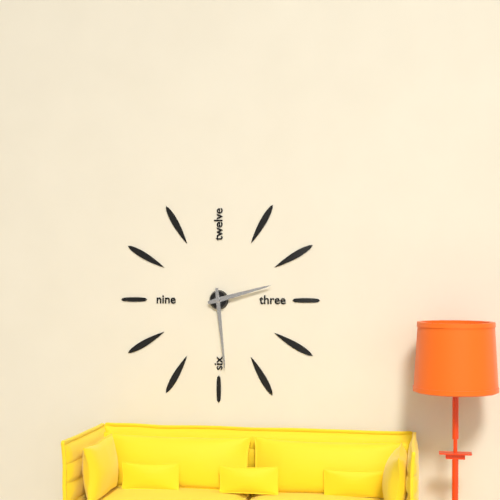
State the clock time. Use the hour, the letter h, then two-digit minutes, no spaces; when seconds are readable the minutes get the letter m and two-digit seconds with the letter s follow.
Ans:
2h29
